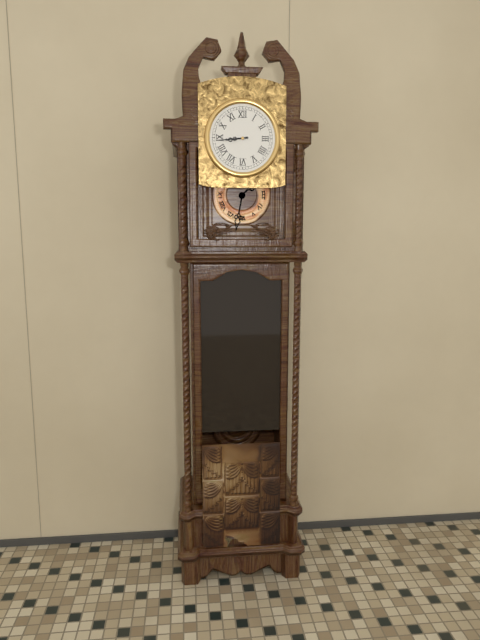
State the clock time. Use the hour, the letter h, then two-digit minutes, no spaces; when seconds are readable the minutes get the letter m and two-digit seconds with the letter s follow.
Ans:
8h44
